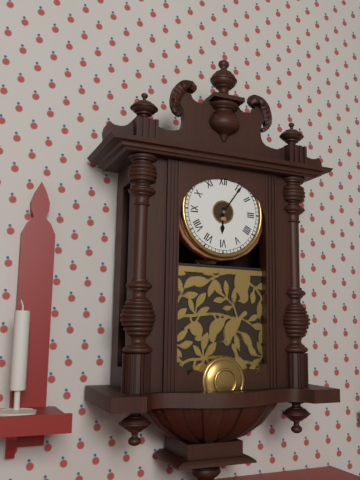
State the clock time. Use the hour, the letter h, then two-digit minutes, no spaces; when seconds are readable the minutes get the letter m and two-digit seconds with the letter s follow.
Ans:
6h06
